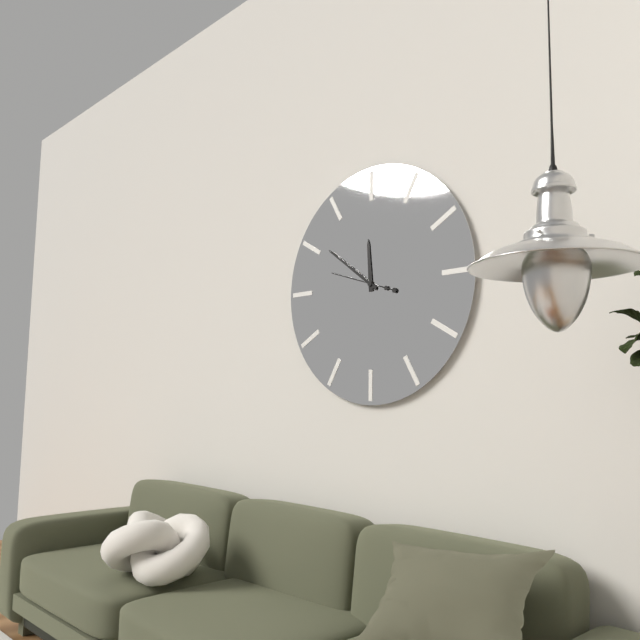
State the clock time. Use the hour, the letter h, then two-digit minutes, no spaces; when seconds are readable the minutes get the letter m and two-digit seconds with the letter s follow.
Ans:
11h51m48s
